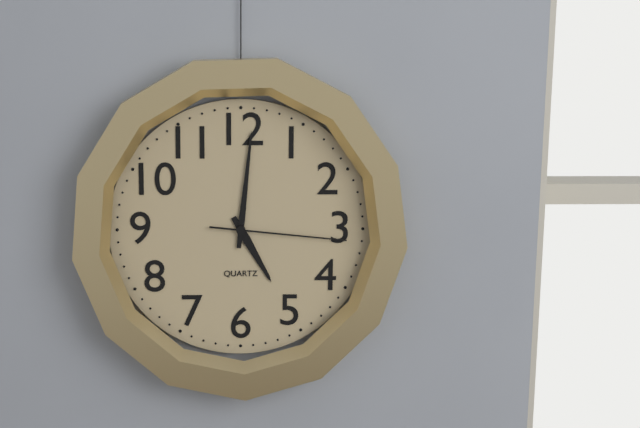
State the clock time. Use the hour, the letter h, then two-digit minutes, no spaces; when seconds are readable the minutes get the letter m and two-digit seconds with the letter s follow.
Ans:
5h01m16s
